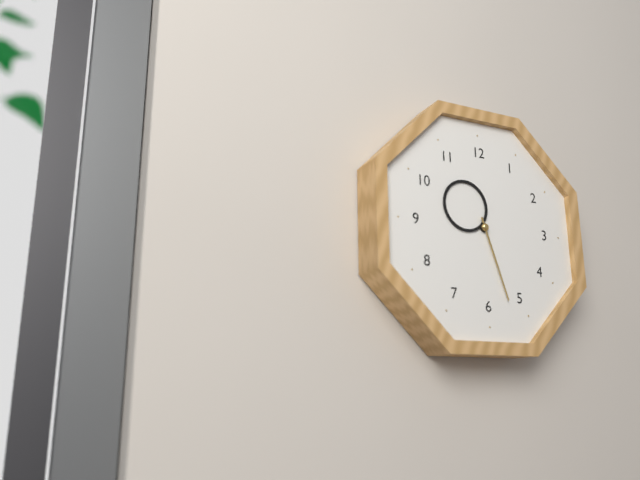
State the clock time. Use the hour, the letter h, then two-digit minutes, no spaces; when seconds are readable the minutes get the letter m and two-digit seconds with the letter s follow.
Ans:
10h27
